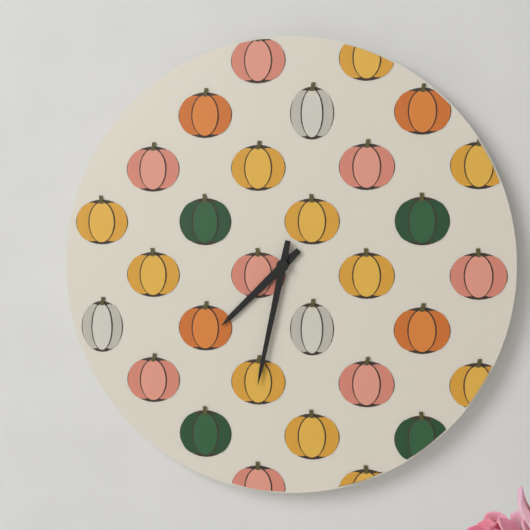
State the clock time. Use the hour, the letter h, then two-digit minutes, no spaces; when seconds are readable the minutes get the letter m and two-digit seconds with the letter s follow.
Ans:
7h32
